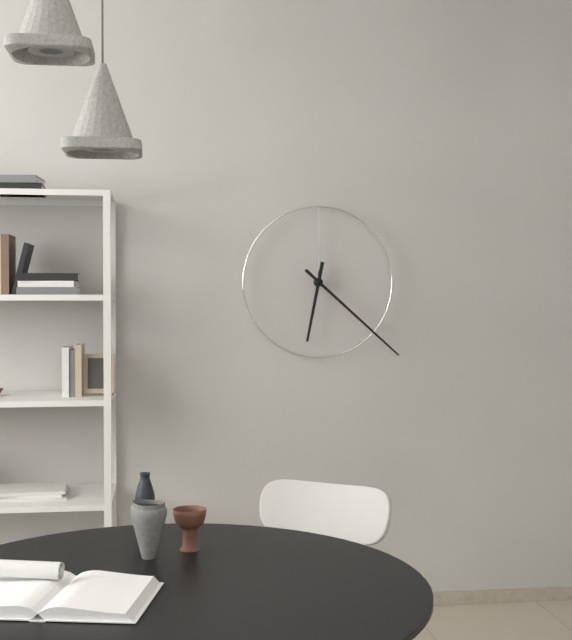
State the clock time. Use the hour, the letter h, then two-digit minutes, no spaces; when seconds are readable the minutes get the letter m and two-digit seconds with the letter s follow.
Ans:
6h22
